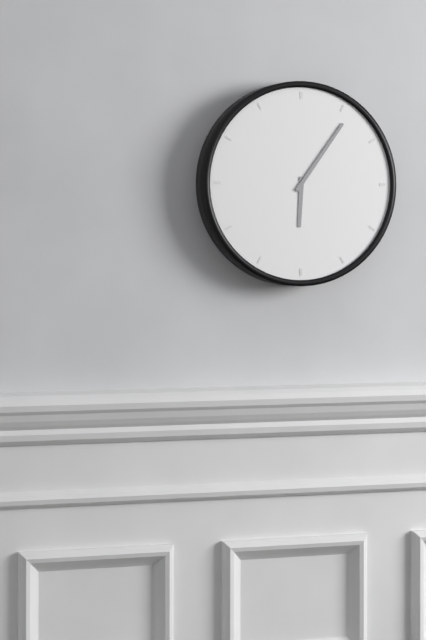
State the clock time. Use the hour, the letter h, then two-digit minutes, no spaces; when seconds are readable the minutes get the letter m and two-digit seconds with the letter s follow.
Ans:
6h06
